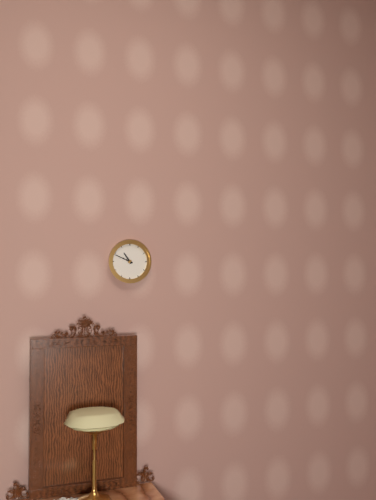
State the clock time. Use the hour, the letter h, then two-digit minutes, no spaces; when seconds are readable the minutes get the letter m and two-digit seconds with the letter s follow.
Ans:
10h49
